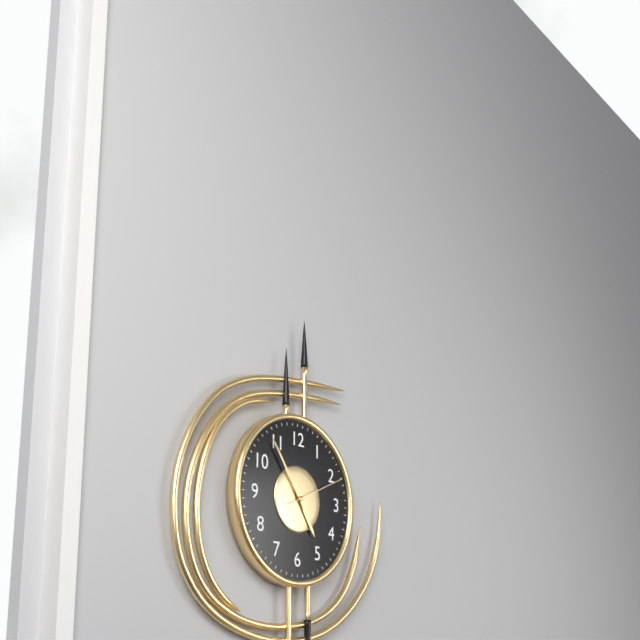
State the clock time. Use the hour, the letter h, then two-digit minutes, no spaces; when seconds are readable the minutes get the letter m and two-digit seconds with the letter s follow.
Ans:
4h54m11s
